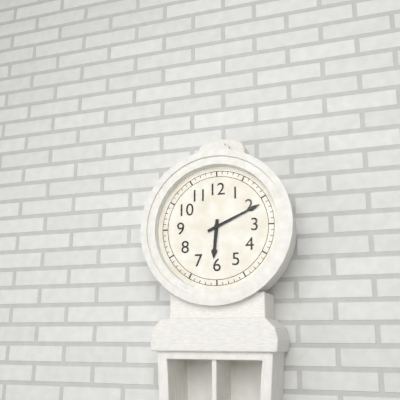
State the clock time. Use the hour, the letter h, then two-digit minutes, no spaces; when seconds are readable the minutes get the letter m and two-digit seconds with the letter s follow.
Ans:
6h11
